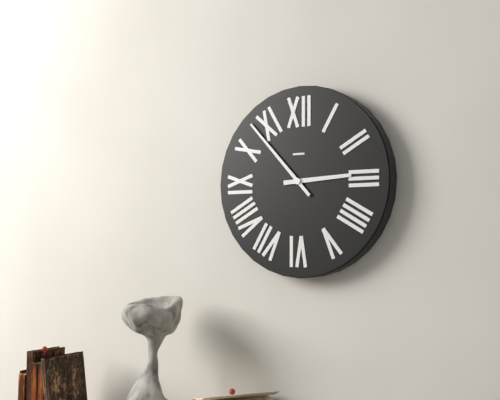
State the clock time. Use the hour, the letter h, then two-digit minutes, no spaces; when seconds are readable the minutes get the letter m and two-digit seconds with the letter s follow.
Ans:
2h53
